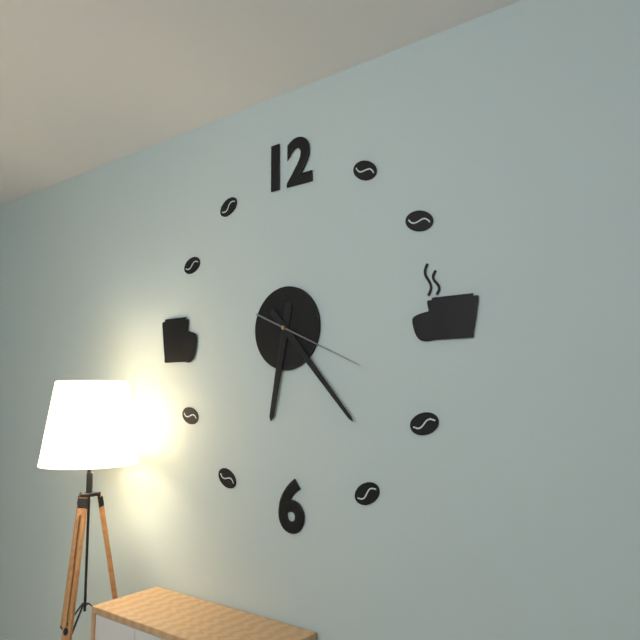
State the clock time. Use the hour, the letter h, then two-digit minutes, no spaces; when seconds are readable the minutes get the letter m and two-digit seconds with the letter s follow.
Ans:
6h23m19s
